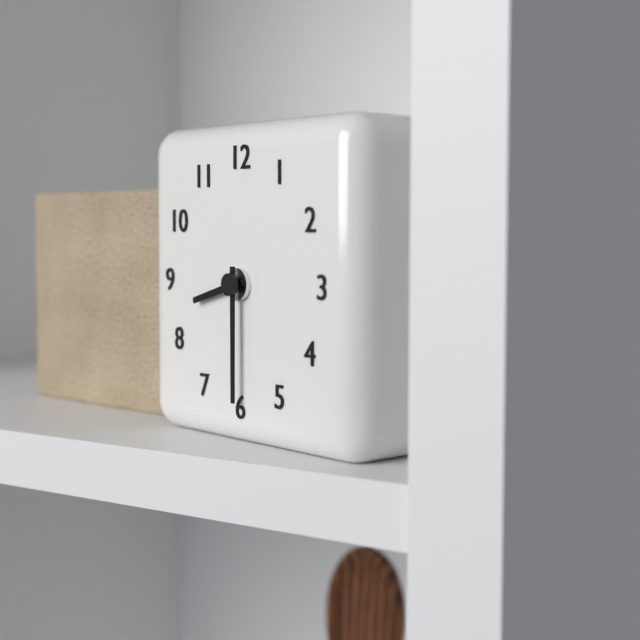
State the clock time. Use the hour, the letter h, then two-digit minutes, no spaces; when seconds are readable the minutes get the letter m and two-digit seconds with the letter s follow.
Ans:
8h30
